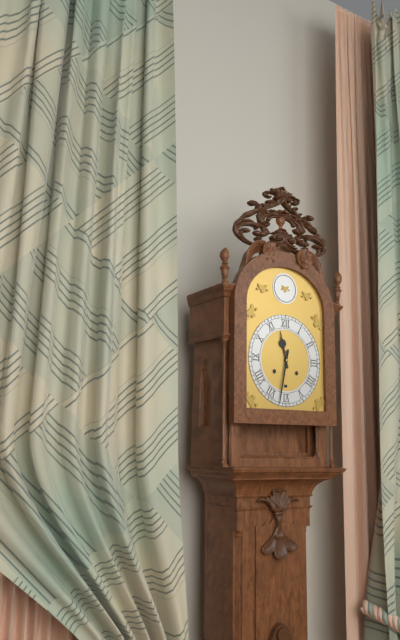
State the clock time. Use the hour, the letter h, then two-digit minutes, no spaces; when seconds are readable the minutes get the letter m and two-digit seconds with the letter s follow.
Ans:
11h32
